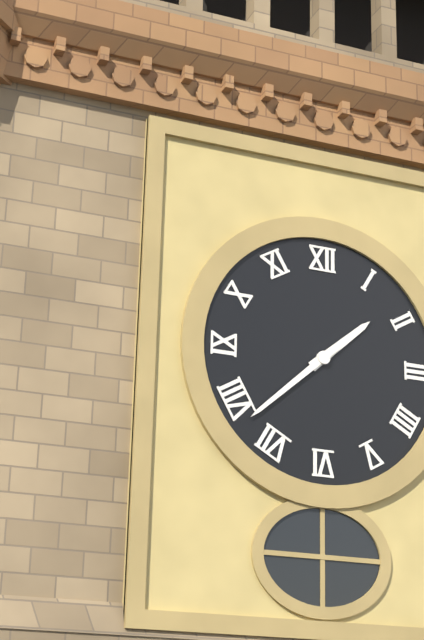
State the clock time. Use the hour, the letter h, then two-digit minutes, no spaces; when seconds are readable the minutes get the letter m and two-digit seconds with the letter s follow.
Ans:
1h38
